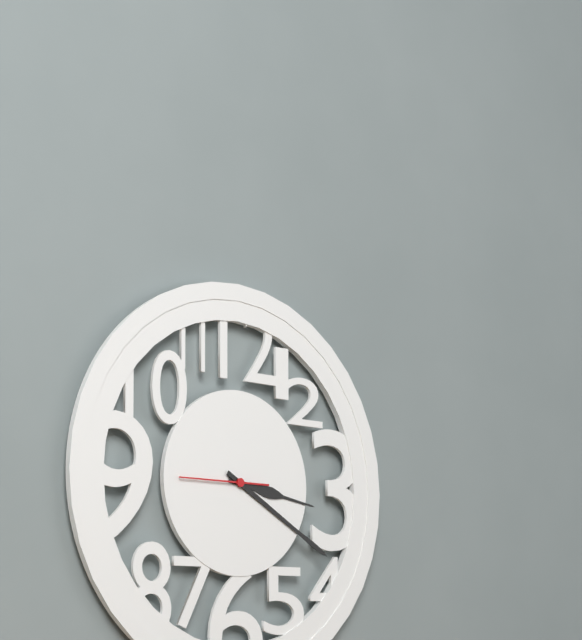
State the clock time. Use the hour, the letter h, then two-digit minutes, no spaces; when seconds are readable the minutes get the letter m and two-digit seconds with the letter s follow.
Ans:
3h20m45s
